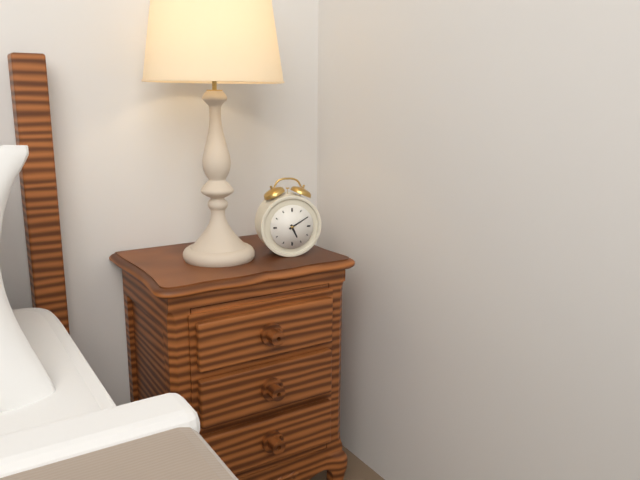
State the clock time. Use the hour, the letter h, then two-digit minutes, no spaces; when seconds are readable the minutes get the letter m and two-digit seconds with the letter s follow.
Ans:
5h10
